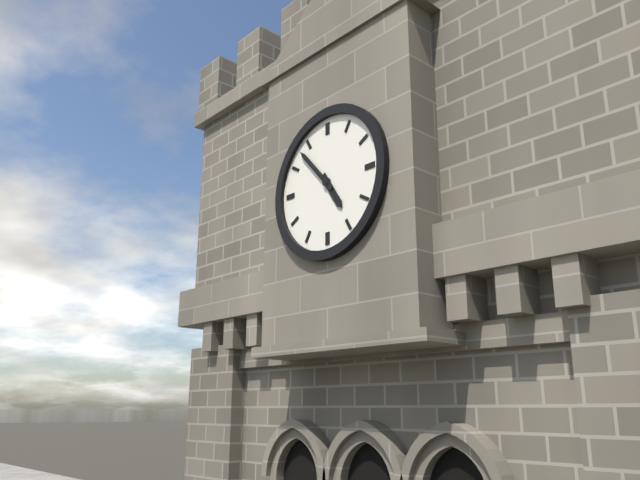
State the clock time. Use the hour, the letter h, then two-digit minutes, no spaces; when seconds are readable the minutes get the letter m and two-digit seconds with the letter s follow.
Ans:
4h53
